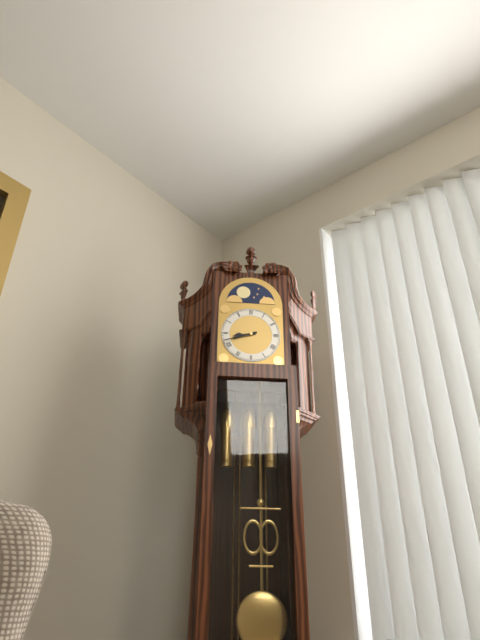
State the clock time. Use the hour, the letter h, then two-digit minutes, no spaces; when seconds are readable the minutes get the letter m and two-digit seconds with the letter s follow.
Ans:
8h42
